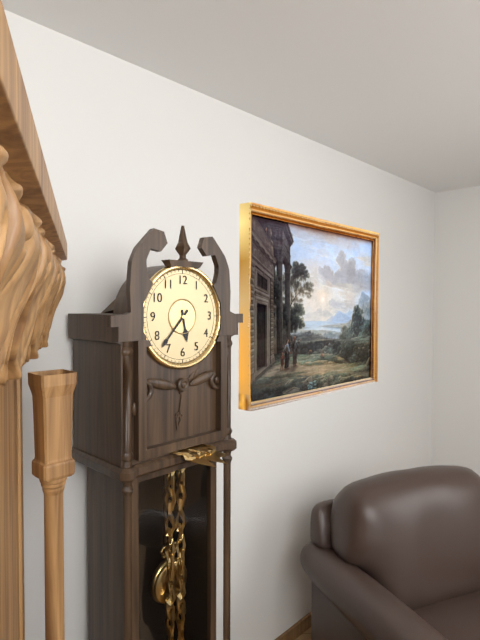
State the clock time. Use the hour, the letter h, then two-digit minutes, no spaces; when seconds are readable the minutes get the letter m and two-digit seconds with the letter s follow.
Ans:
5h37
